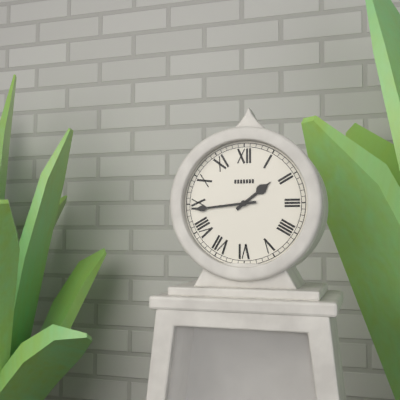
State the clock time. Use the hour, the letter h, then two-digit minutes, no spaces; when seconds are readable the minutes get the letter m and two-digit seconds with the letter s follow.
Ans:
1h44
